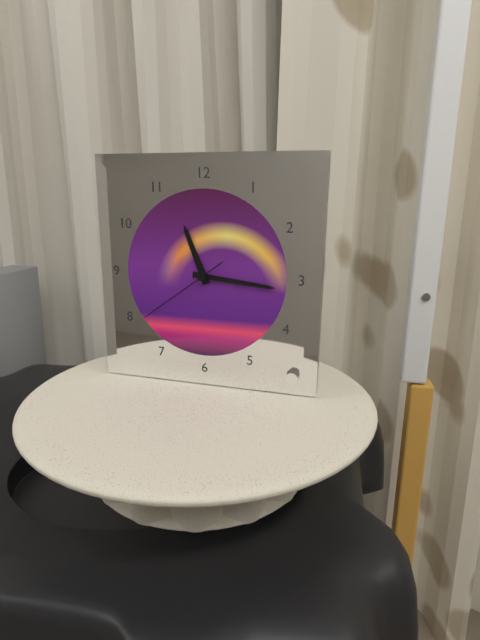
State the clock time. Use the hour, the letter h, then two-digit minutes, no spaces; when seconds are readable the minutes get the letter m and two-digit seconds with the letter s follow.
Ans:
11h16m39s
